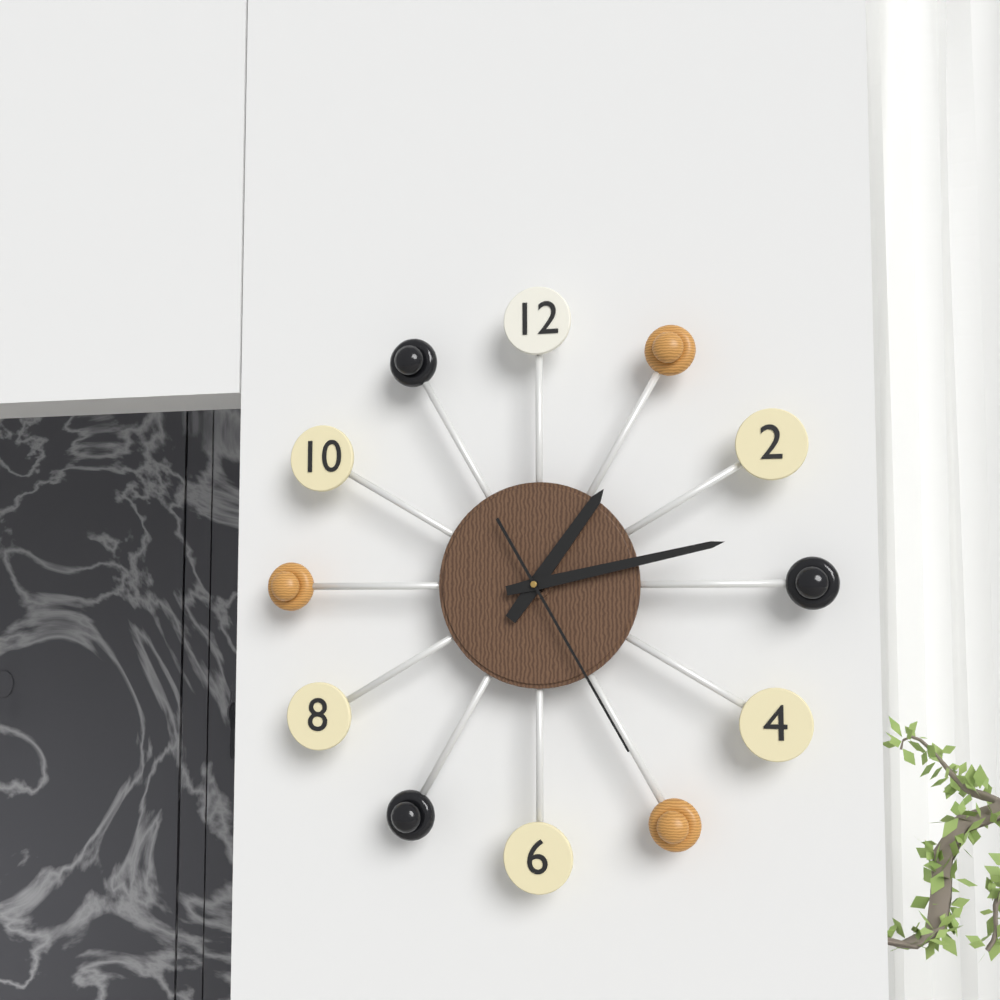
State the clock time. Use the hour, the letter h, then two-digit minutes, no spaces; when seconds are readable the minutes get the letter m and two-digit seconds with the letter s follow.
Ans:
1h13m25s
